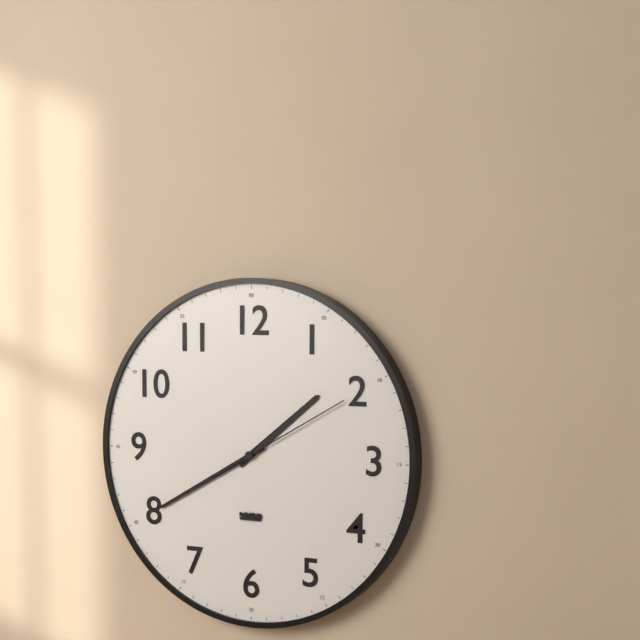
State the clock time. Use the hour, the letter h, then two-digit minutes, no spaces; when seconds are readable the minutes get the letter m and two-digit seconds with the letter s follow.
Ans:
1h40m10s
